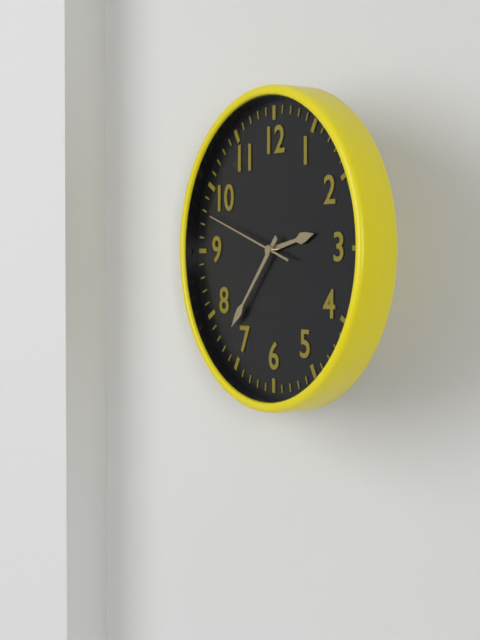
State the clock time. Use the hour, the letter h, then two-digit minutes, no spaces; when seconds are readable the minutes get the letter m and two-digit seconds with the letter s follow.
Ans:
2h37m48s
